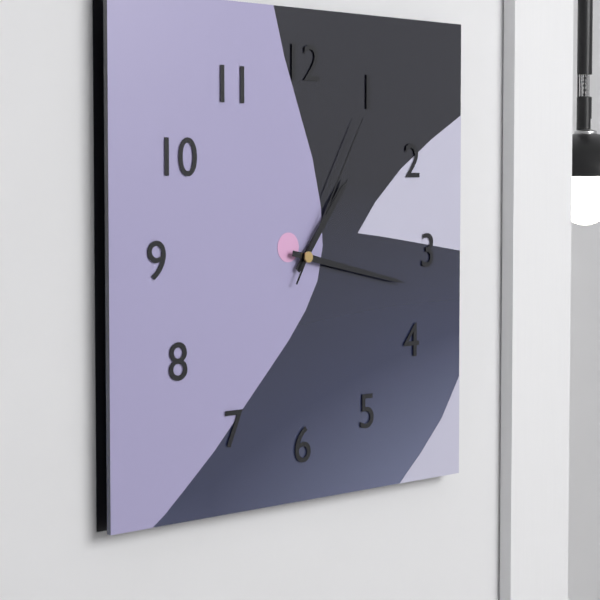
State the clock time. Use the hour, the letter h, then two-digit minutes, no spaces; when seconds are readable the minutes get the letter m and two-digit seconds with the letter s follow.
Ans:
1h17m05s
